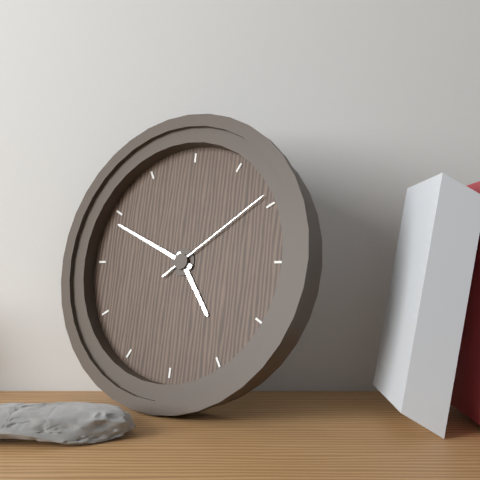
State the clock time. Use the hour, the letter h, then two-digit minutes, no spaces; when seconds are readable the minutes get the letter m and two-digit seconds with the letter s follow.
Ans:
4h49m09s
